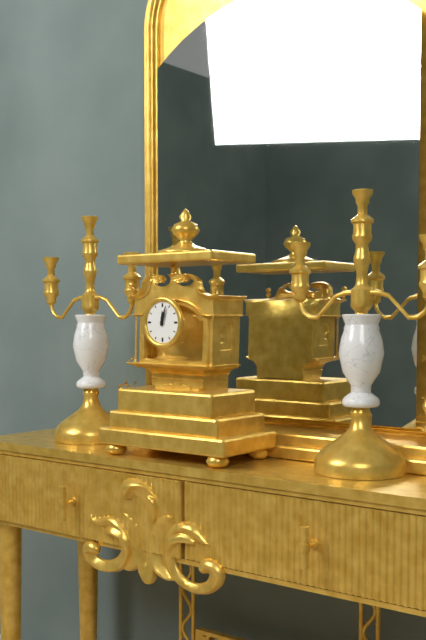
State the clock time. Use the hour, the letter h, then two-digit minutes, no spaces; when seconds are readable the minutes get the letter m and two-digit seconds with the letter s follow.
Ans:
12h03
